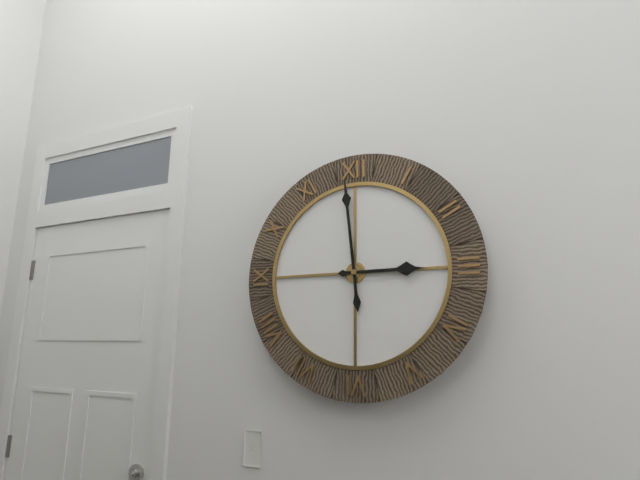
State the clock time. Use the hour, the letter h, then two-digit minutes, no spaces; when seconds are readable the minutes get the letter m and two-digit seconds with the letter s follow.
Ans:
2h59
